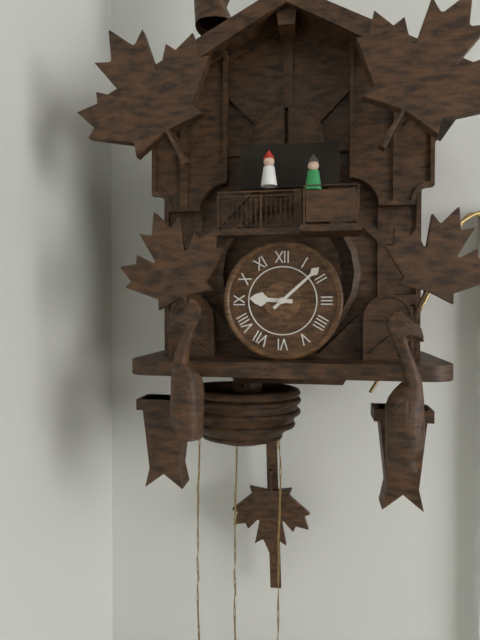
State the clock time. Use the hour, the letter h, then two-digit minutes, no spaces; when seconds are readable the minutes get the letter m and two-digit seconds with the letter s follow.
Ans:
9h08
